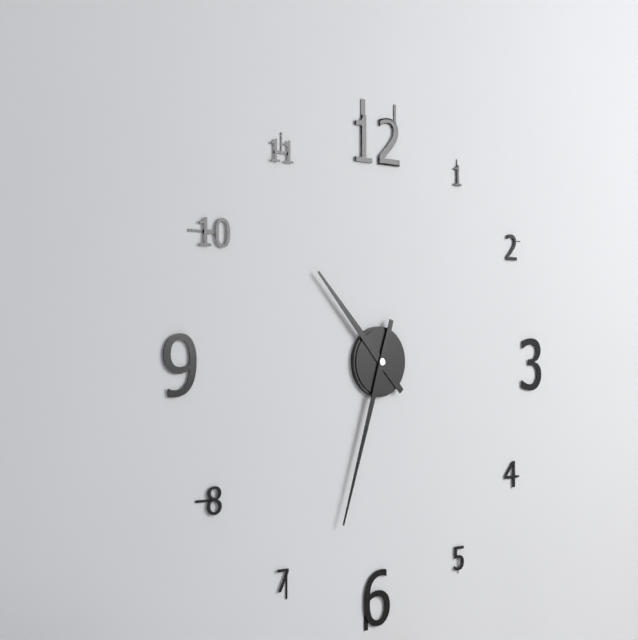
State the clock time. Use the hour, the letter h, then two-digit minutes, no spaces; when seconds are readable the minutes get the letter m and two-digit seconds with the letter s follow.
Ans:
10h33
